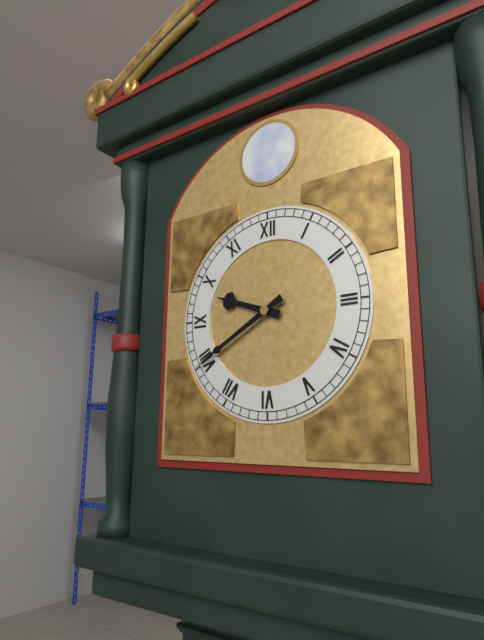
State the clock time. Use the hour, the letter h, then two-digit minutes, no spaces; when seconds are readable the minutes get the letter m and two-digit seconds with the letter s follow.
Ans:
9h40
